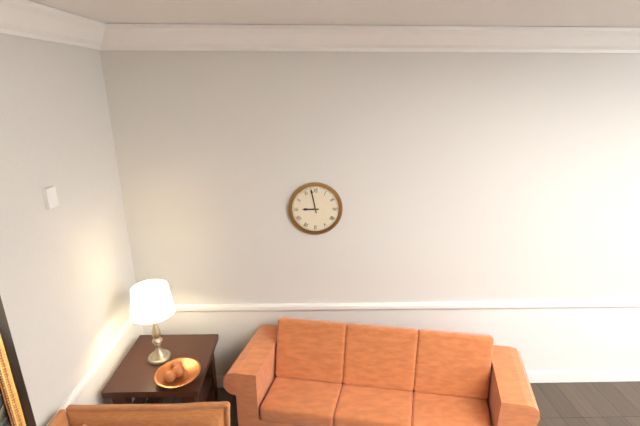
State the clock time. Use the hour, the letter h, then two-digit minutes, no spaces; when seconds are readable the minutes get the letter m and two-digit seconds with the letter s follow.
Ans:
8h58
